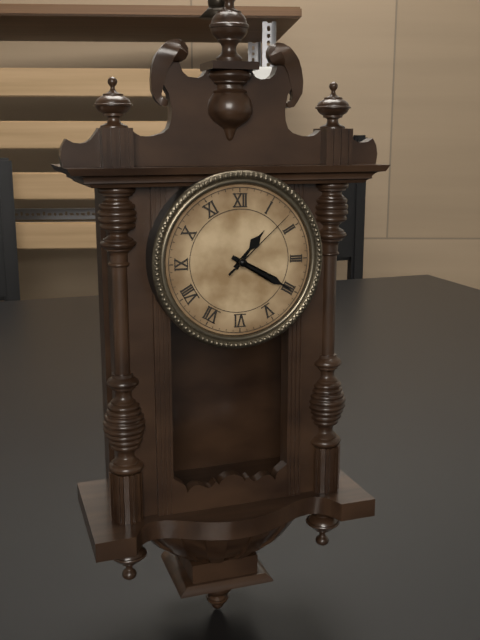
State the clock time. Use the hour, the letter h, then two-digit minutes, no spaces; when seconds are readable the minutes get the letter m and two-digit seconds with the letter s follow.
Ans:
1h20m08s
